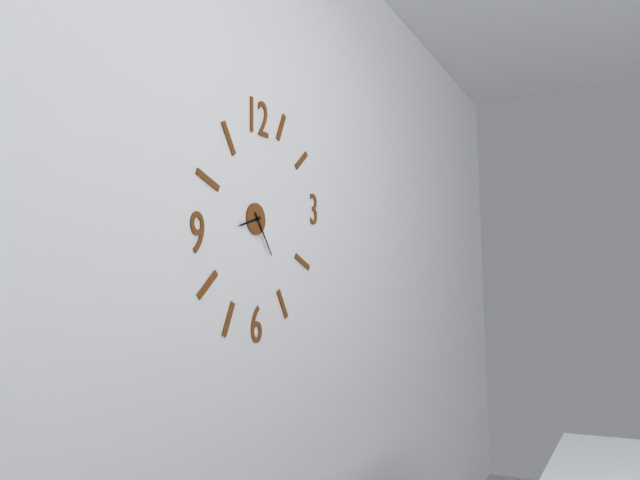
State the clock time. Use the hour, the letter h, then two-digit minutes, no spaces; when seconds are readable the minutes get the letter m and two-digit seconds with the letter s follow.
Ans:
8h24
